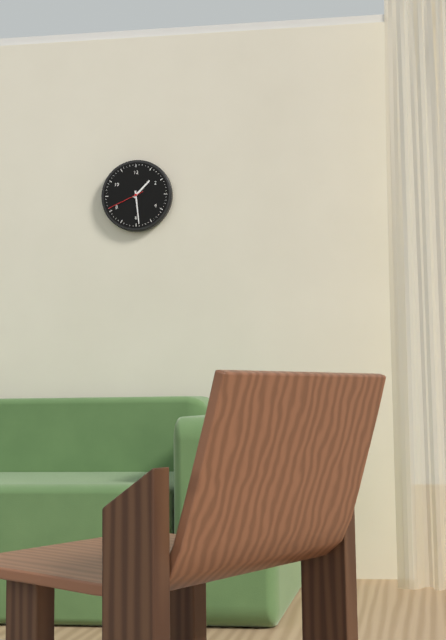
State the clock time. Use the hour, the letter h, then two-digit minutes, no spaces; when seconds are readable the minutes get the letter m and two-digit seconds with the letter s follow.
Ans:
1h29
